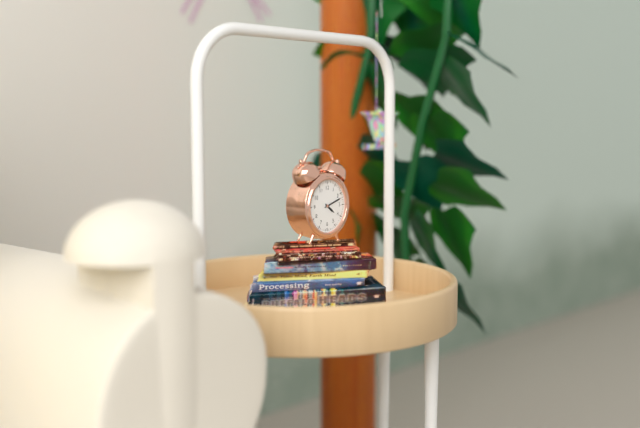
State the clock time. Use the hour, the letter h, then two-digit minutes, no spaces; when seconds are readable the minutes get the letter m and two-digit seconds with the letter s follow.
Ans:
4h12
